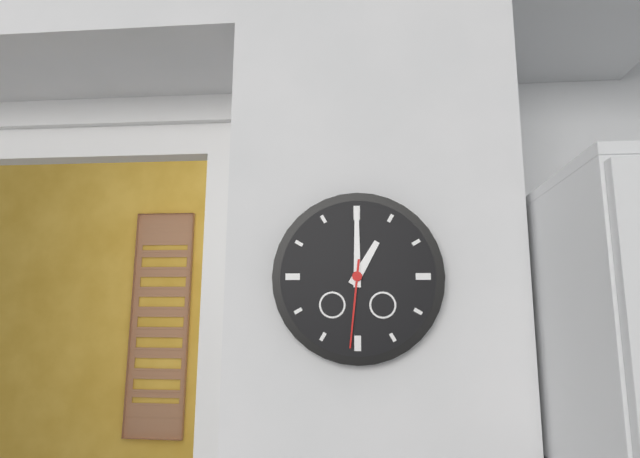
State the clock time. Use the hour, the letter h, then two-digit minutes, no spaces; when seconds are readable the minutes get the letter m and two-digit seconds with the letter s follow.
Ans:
1h00m31s
